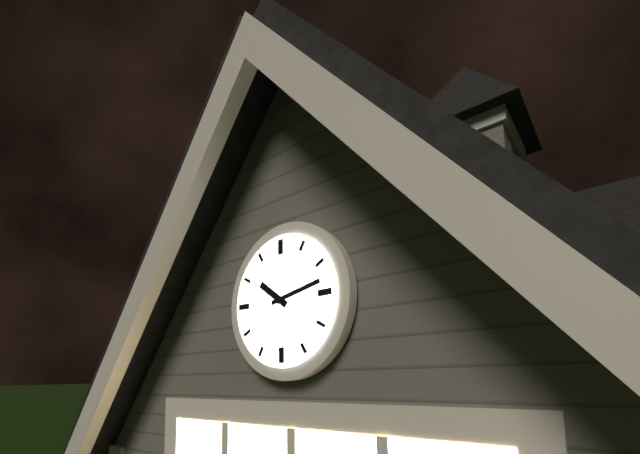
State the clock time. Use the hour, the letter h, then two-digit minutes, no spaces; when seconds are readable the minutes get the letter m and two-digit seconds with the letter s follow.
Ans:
10h13
